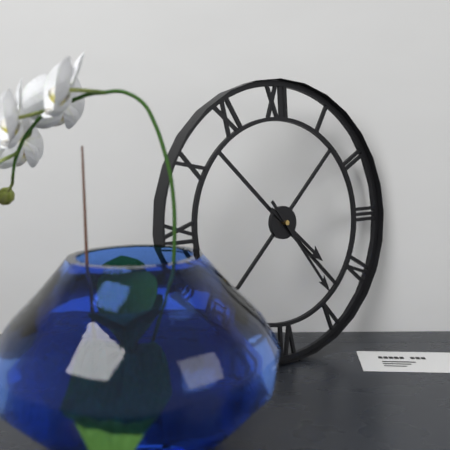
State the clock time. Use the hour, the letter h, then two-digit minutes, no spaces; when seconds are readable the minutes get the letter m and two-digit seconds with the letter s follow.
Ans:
4h24
